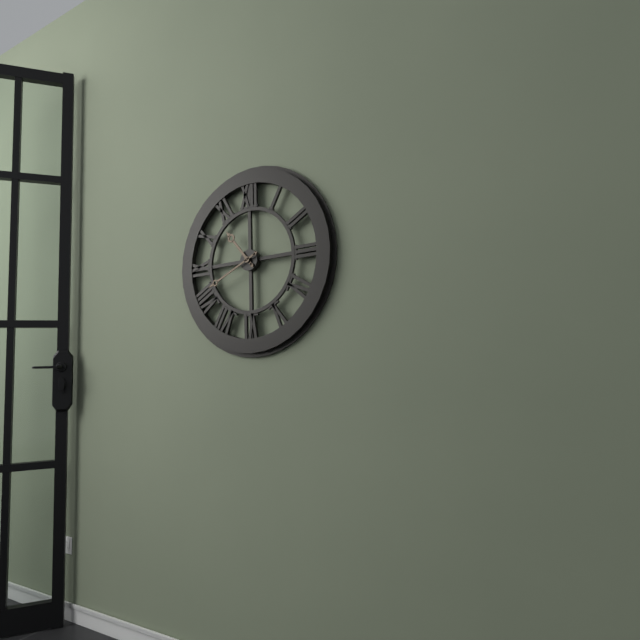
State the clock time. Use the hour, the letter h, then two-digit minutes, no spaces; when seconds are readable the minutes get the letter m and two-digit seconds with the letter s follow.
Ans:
10h41
